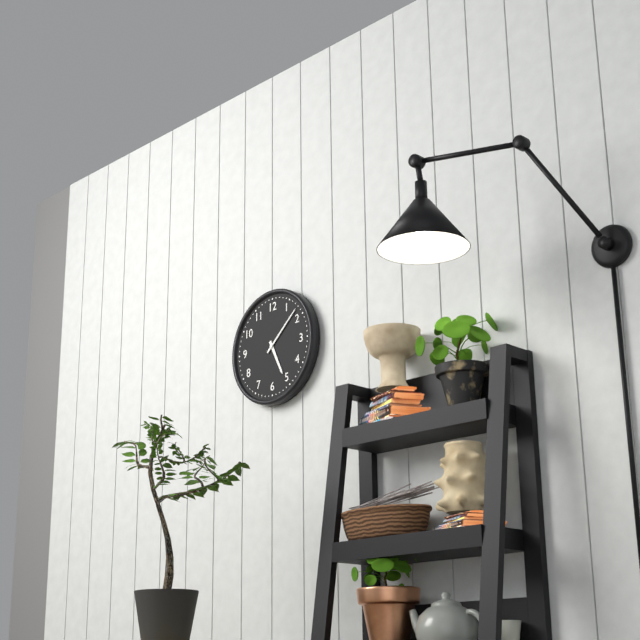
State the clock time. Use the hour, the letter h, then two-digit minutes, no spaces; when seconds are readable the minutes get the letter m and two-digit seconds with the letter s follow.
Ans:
5h08
